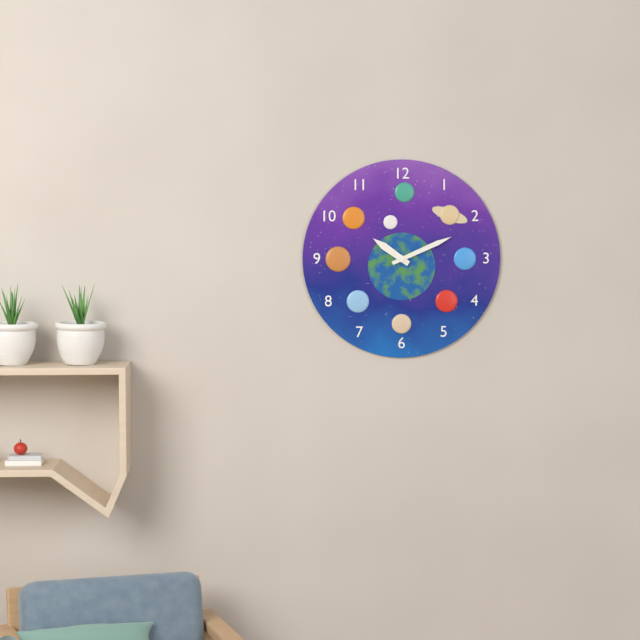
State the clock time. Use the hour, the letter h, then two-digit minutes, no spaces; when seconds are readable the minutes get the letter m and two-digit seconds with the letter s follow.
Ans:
10h11
